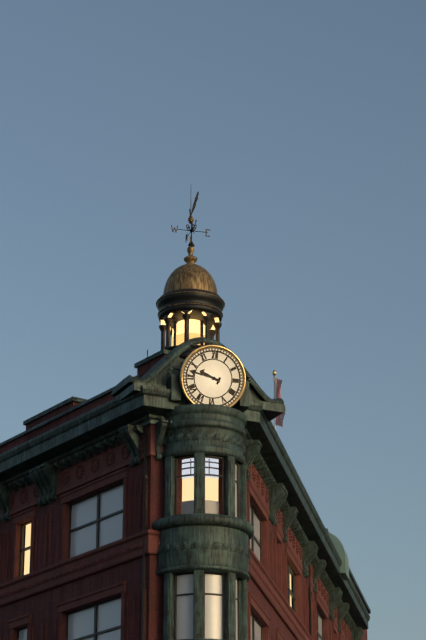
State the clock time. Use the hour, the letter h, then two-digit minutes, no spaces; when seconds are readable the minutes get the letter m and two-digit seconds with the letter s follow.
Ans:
9h47
